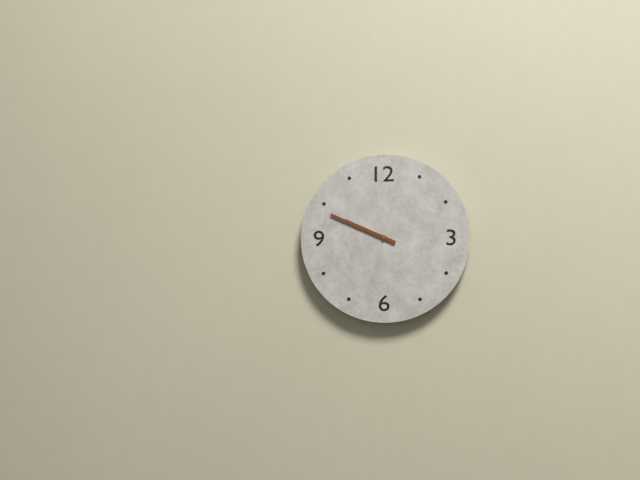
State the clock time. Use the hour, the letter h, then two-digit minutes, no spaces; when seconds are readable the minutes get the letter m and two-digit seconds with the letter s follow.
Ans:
9h49
